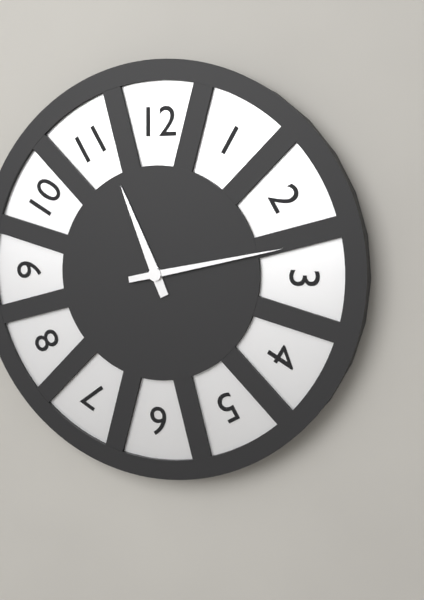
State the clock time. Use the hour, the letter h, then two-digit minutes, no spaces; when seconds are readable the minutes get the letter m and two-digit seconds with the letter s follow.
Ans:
11h13
